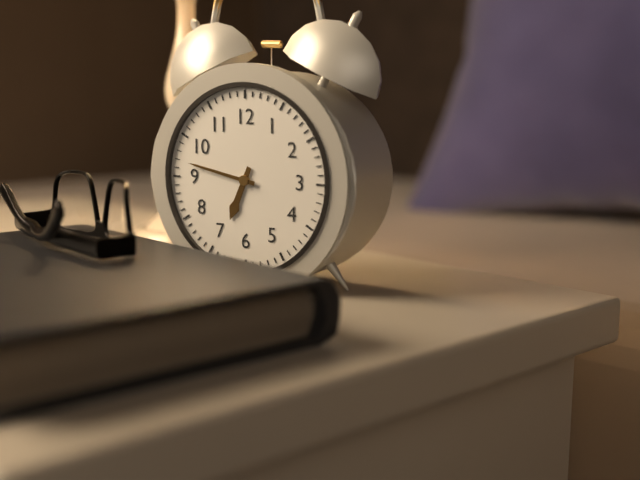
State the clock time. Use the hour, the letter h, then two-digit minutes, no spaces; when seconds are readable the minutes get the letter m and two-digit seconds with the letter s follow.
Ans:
6h47
